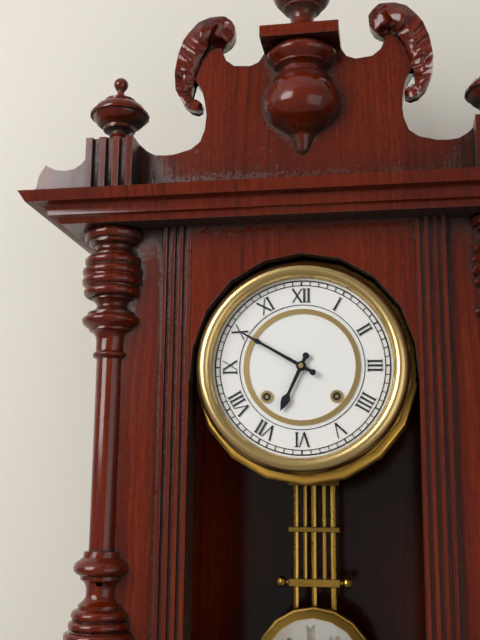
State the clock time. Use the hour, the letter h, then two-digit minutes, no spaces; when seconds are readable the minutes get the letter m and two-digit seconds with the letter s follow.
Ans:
6h50
